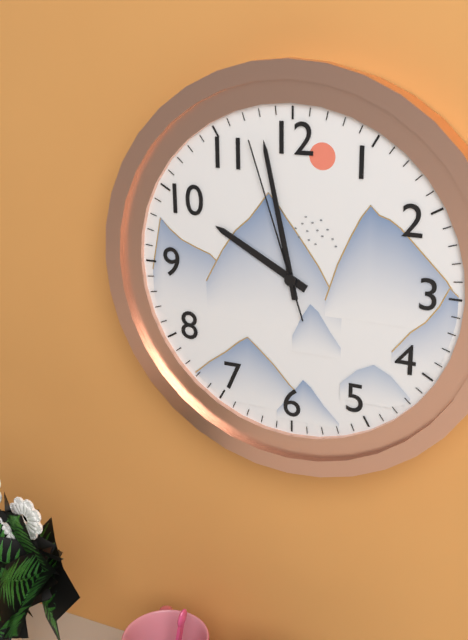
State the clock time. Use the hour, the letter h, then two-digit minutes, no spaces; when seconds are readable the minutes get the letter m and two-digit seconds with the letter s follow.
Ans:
9h58m57s
